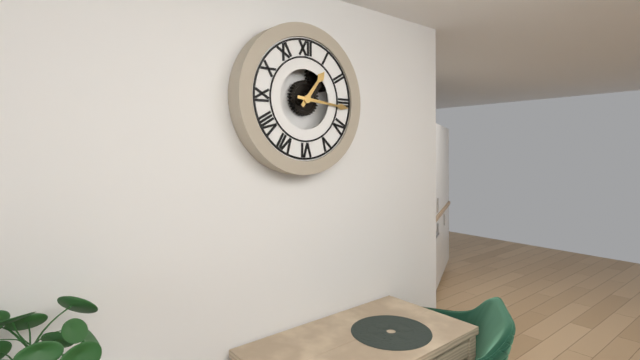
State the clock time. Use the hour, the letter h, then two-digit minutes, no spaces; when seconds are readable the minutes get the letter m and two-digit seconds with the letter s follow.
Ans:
1h16
